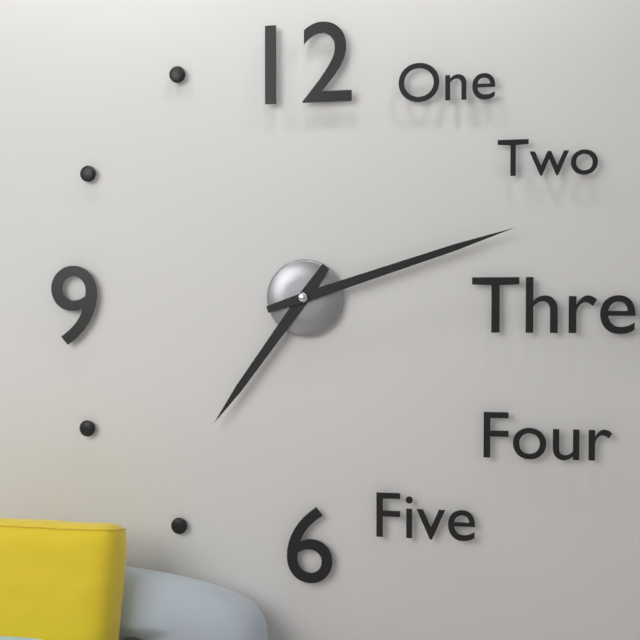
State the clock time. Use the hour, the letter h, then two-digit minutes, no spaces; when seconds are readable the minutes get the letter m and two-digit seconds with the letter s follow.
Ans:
7h12
